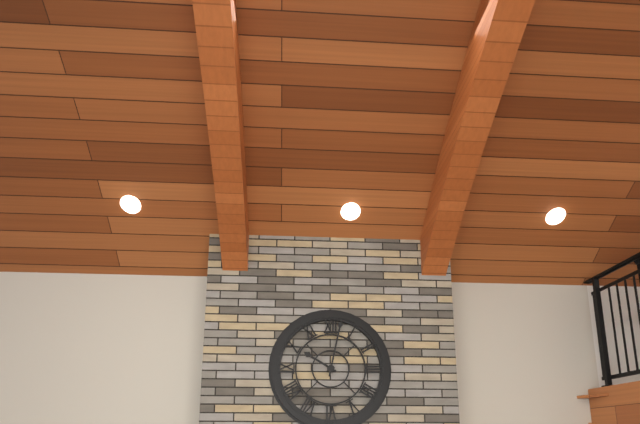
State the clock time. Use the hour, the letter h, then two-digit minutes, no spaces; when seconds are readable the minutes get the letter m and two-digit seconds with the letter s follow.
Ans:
10h02
